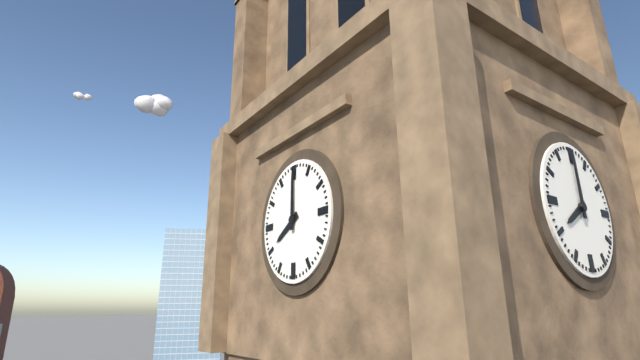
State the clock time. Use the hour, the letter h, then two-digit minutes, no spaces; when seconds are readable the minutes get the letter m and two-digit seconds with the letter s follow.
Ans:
8h00
